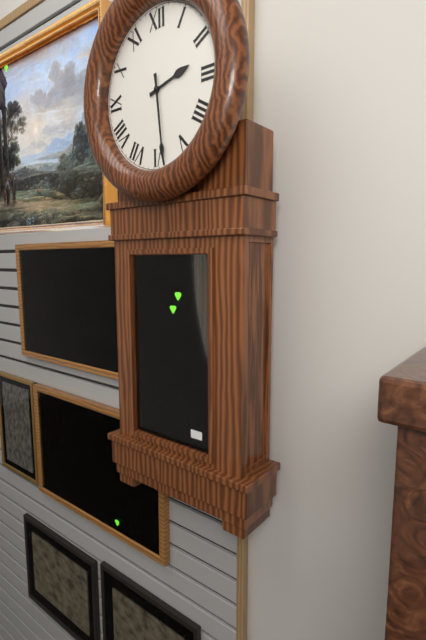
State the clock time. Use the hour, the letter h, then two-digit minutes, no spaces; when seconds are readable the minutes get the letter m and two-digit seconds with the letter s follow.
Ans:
2h29
